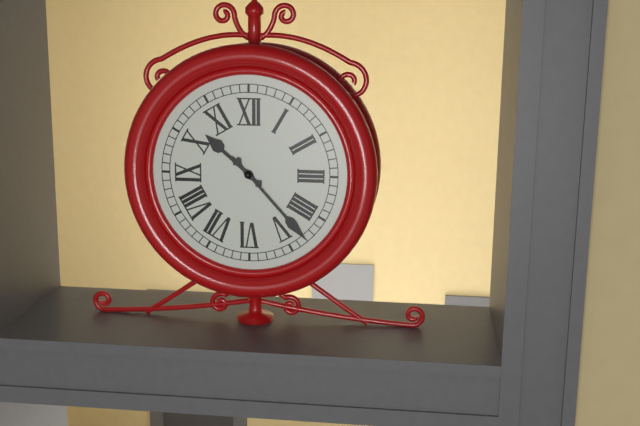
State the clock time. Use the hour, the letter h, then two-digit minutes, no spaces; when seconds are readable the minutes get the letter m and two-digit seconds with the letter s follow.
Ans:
10h23
